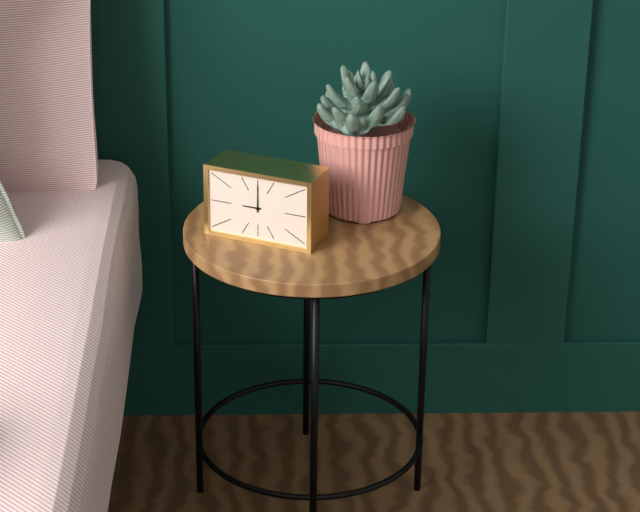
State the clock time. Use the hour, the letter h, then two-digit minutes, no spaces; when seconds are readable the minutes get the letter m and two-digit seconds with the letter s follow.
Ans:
9h00
